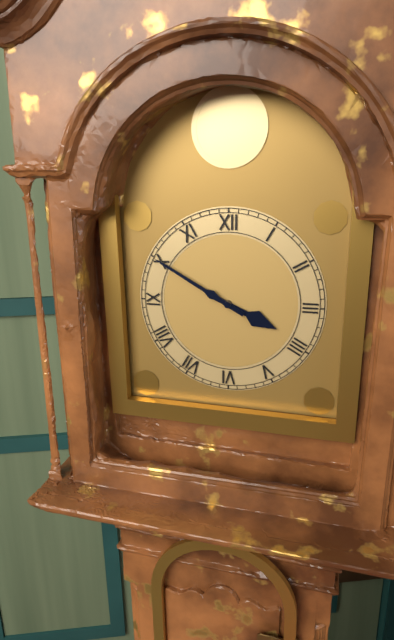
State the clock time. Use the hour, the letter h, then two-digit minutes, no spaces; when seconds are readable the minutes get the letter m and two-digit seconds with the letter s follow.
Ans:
3h50
